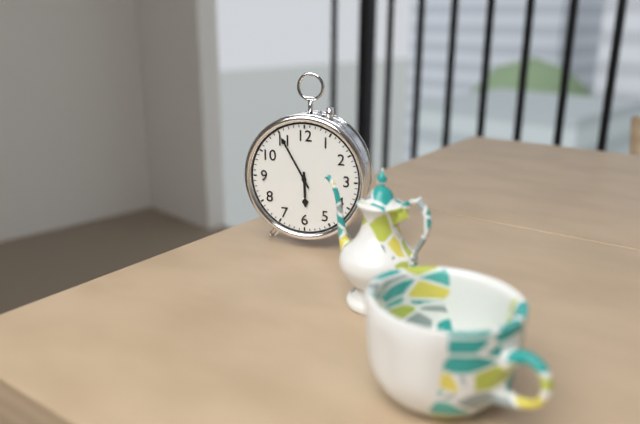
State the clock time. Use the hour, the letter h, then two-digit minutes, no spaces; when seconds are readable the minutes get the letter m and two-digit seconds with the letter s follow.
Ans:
5h55
